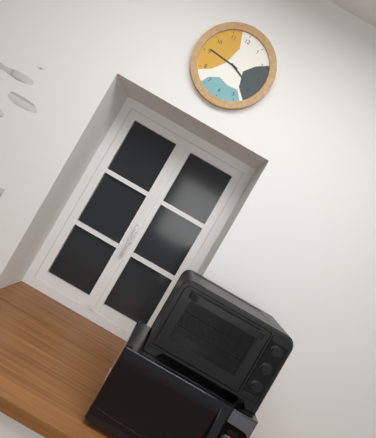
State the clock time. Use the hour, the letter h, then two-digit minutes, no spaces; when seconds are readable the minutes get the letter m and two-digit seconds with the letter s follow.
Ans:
3h46
